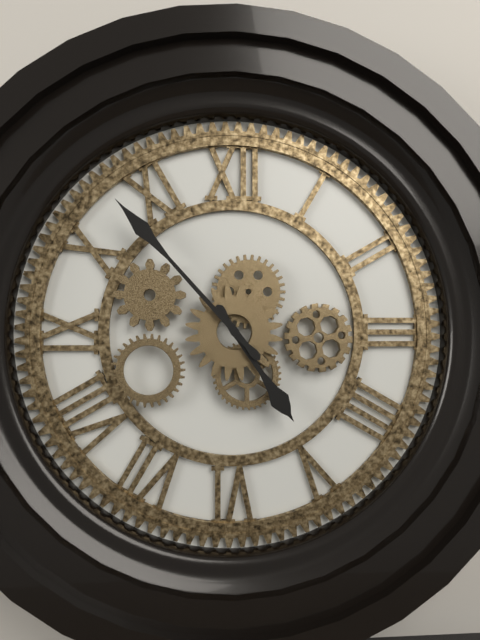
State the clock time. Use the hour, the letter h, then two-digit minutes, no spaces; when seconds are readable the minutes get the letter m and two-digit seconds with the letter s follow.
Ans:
4h53
